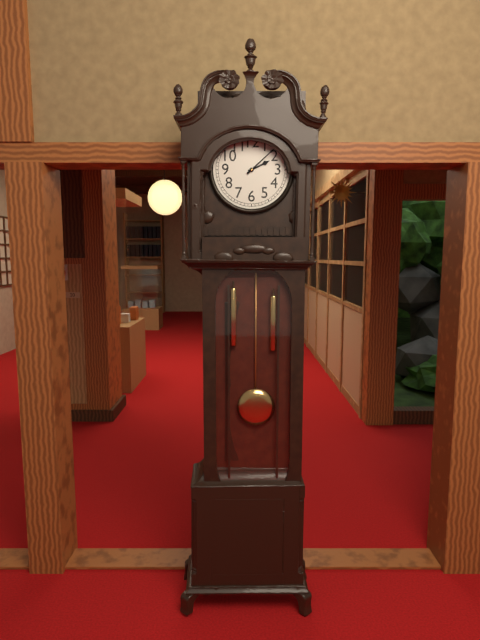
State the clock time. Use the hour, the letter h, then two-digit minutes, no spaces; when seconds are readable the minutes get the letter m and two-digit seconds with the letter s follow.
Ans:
2h08
